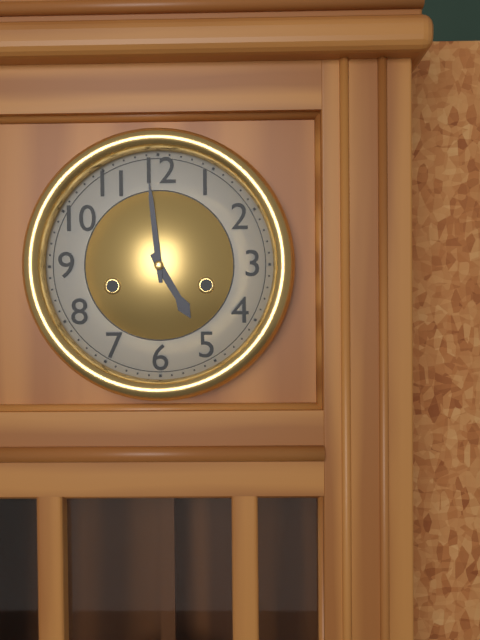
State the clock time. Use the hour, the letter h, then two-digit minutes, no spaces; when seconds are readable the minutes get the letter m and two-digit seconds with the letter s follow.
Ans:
4h59
